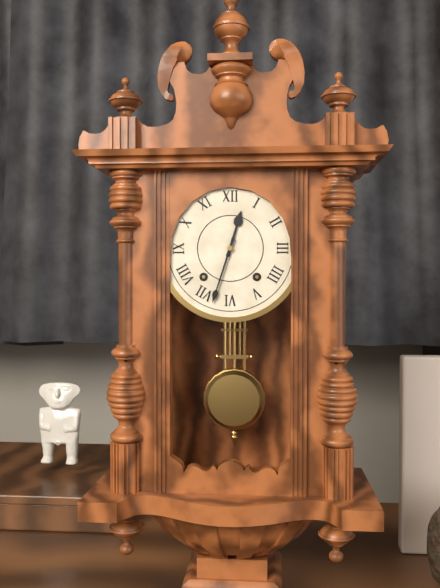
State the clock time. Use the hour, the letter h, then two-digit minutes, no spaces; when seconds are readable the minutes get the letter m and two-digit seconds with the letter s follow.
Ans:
12h33
